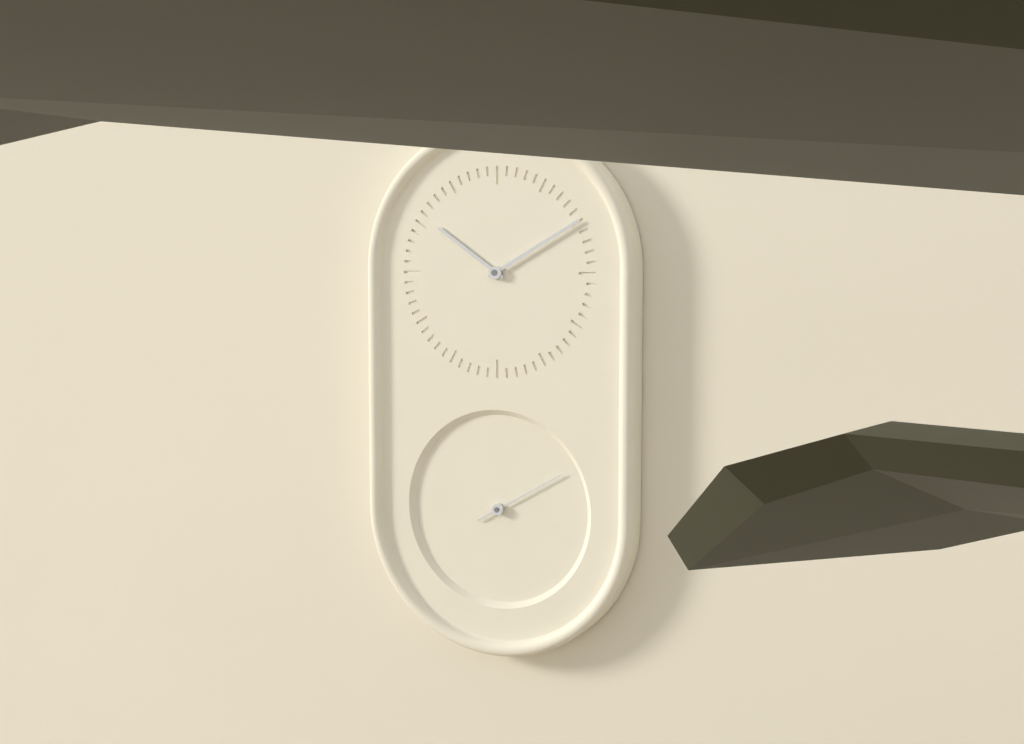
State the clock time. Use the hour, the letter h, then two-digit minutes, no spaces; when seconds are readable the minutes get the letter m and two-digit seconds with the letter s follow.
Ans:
10h10m10s
